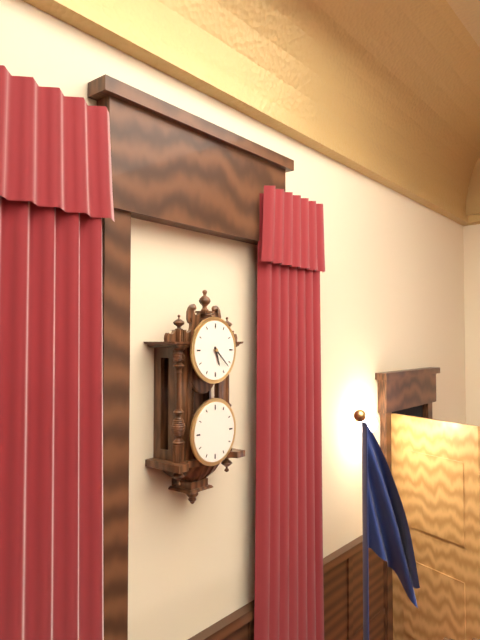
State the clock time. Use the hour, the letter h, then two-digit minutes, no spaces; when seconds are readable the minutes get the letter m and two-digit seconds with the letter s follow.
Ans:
5h22
